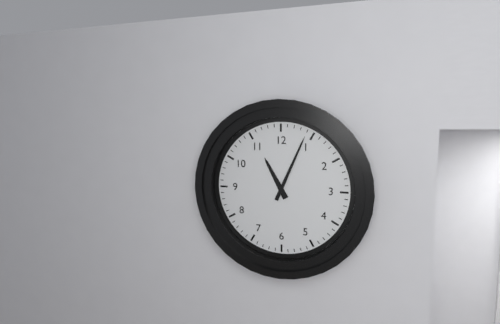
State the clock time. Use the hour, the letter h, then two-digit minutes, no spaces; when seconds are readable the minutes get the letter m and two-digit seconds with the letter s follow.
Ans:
11h04
